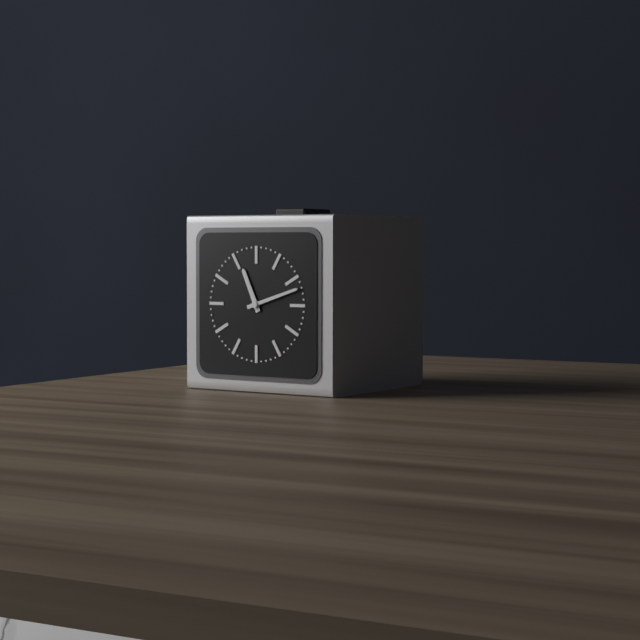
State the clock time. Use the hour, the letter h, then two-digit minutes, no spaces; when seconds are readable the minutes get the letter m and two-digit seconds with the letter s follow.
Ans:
11h12
